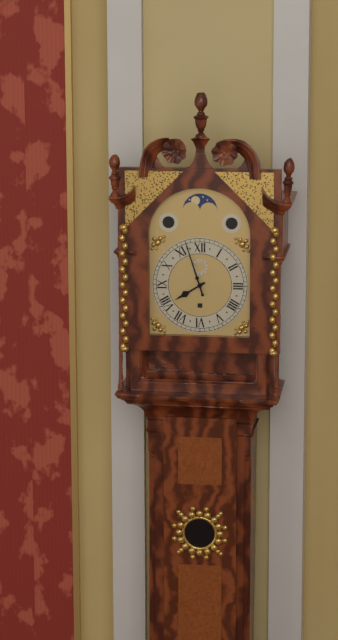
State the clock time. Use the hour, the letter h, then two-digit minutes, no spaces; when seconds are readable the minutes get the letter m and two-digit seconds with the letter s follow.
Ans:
7h57
